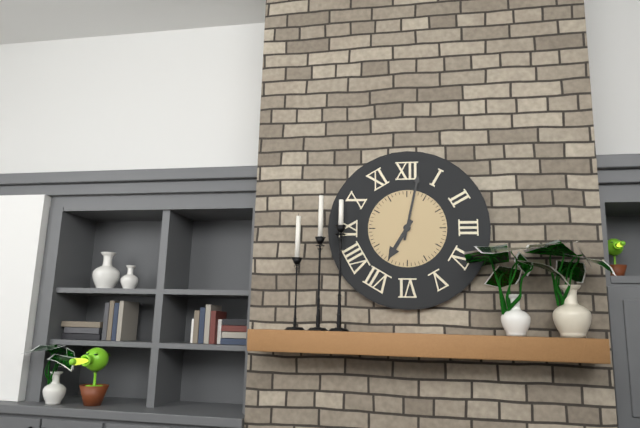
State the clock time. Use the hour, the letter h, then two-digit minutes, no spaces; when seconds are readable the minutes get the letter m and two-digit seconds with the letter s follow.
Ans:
7h02
